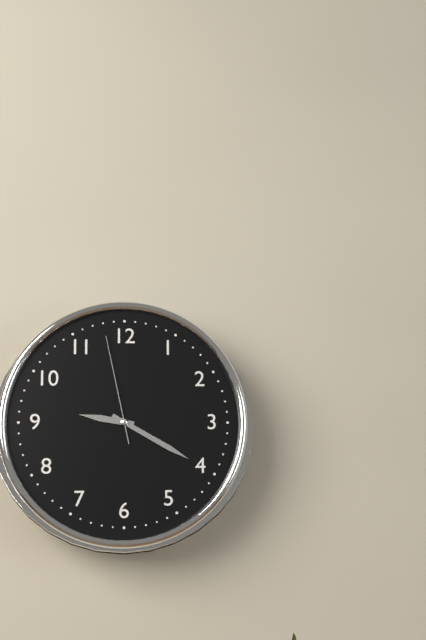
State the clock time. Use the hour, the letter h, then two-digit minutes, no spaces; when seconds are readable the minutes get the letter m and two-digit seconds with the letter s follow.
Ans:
9h20m58s
